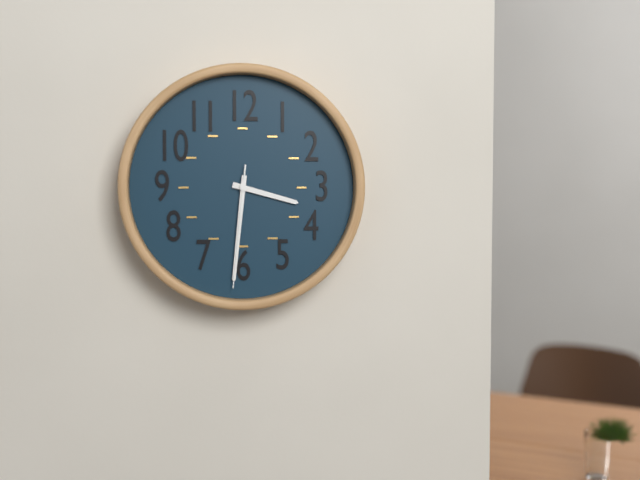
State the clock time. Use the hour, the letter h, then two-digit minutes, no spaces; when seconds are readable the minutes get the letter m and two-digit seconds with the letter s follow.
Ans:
3h31m31s
